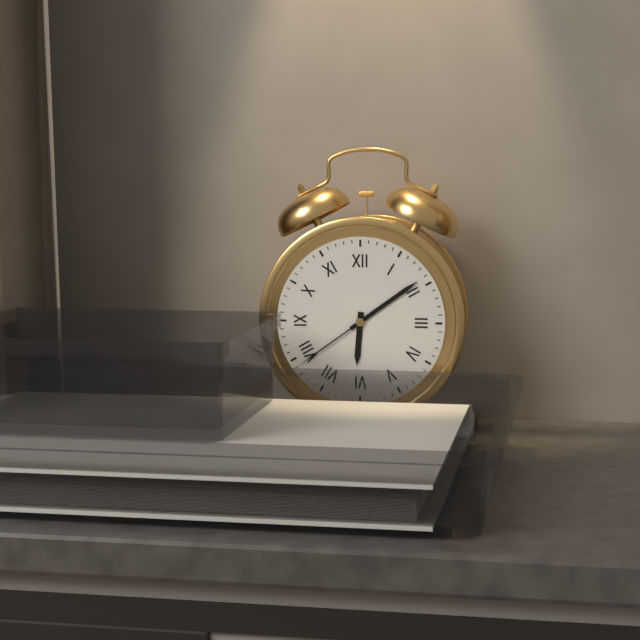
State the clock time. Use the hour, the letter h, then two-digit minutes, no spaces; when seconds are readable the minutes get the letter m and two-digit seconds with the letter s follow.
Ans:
6h09m39s
